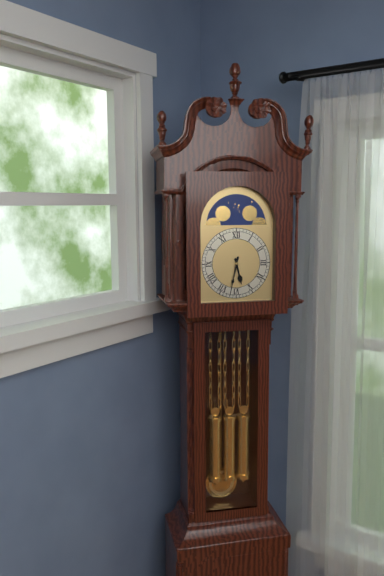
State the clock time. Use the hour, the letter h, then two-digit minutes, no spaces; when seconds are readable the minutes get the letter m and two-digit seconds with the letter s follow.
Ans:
5h32
